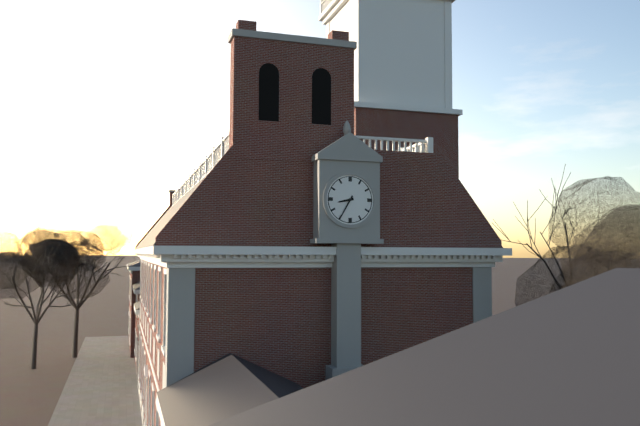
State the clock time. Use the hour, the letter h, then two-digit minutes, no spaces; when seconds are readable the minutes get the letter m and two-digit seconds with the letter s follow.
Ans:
8h35
